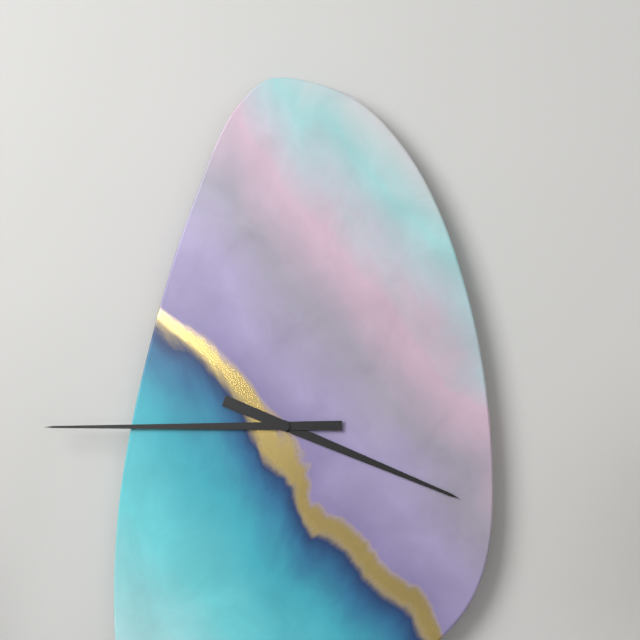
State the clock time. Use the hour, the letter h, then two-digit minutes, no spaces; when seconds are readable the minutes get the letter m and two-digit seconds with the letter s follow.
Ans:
3h45
